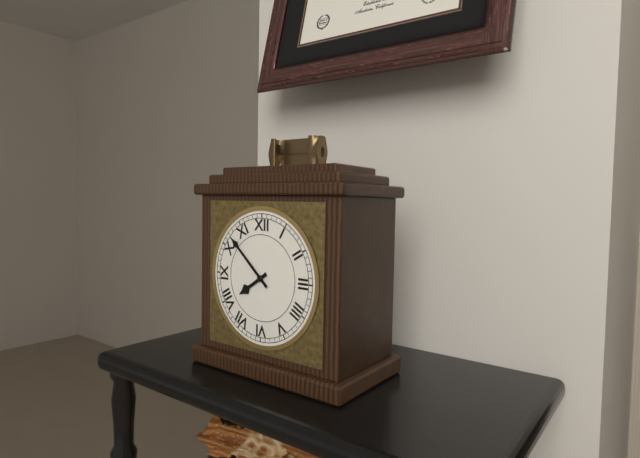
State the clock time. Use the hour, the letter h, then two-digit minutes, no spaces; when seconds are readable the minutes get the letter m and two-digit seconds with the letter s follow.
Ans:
7h52
